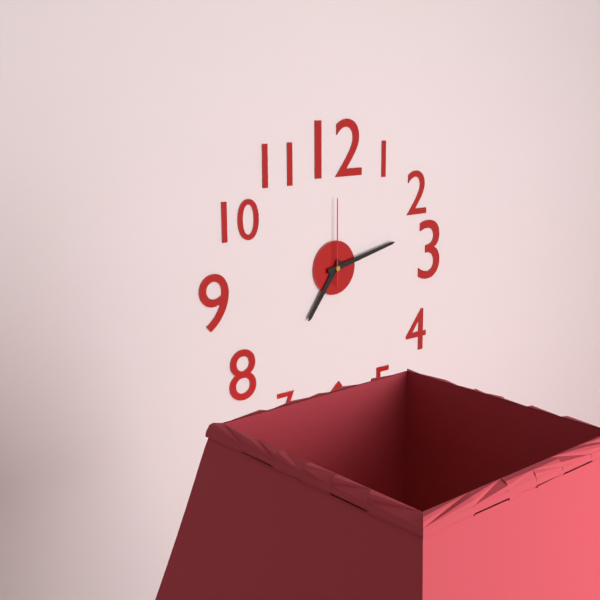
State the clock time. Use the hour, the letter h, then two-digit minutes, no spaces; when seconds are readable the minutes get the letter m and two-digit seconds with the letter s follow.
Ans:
7h13m00s
